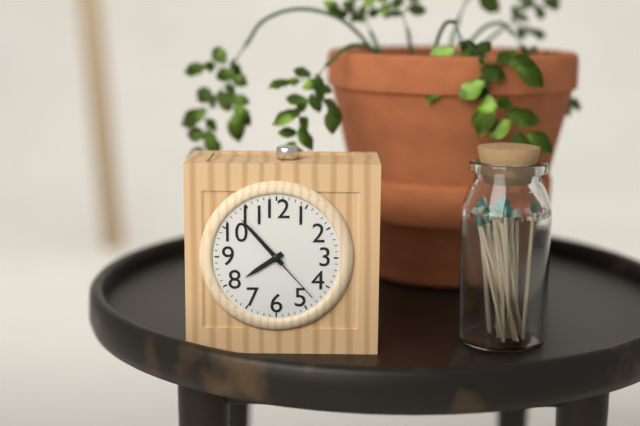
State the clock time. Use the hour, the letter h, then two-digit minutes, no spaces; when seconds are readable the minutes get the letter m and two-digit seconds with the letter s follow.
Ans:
7h53m23s
